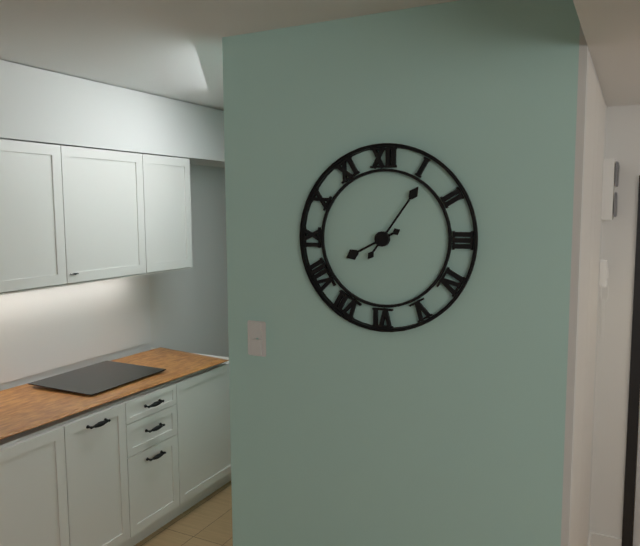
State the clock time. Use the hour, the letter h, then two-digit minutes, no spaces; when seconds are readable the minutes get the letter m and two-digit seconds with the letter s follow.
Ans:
8h06
